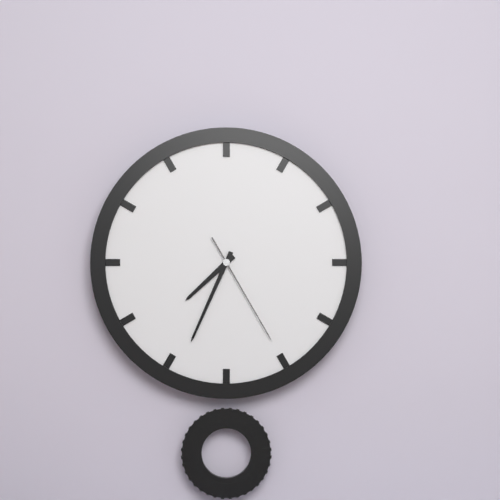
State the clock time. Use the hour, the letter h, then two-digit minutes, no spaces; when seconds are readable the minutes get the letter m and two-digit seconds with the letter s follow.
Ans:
7h34m25s
